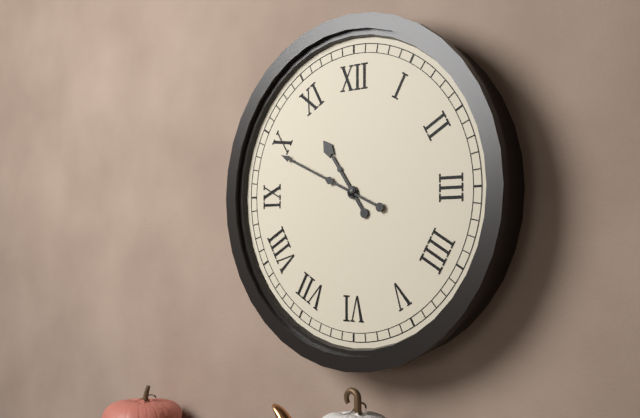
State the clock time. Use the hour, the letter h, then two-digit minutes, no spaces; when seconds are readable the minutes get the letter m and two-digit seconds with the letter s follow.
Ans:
10h49
